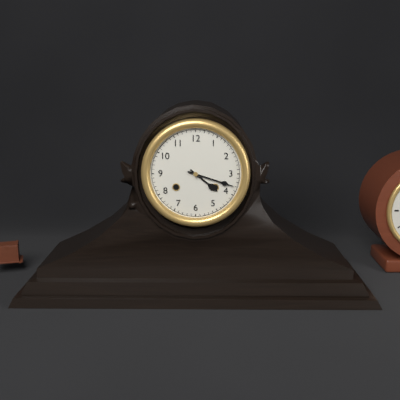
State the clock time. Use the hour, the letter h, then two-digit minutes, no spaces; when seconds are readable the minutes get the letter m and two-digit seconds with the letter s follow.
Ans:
4h18
